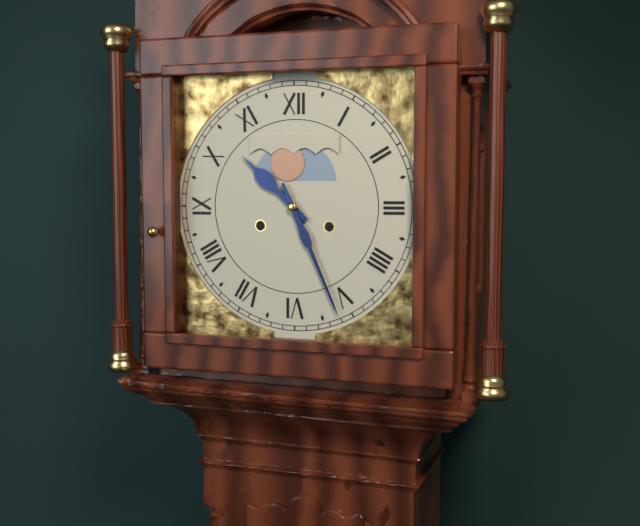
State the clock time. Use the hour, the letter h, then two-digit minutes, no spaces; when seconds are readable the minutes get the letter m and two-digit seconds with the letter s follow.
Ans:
10h26
